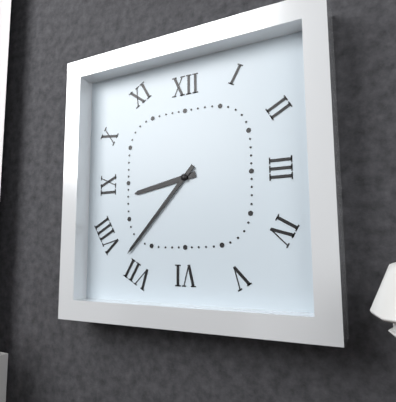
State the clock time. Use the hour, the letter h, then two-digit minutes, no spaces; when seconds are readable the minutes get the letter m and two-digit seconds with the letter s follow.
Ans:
8h37
